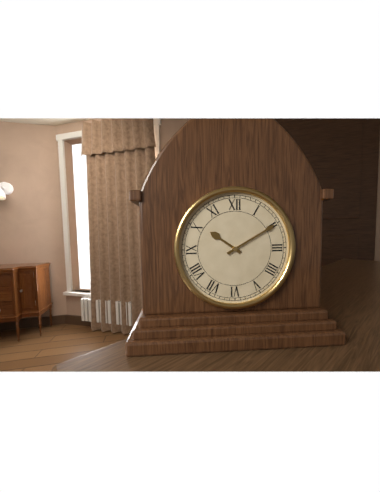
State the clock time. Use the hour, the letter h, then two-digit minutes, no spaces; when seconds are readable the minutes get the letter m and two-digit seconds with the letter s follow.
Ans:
10h10
